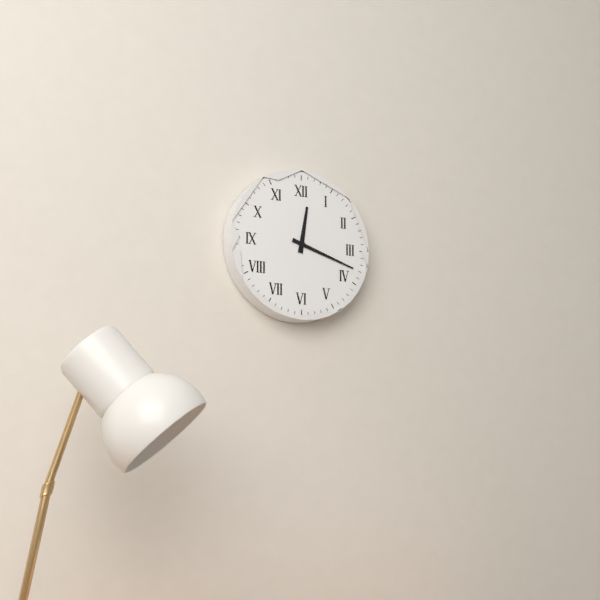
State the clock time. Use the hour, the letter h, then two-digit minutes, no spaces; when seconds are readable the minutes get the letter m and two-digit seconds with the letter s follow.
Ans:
12h18
